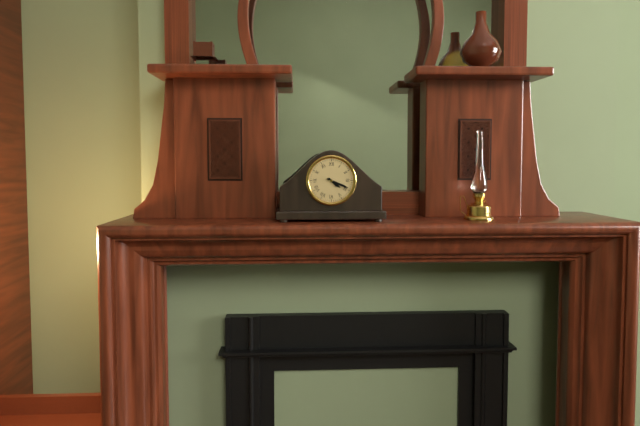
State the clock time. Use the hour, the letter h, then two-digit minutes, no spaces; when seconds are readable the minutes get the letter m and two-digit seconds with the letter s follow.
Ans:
4h19
